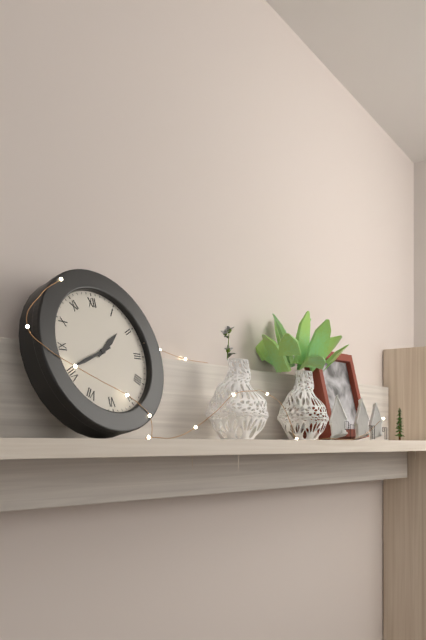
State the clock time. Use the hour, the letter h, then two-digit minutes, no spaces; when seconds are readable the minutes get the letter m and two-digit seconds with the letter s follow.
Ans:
1h41
